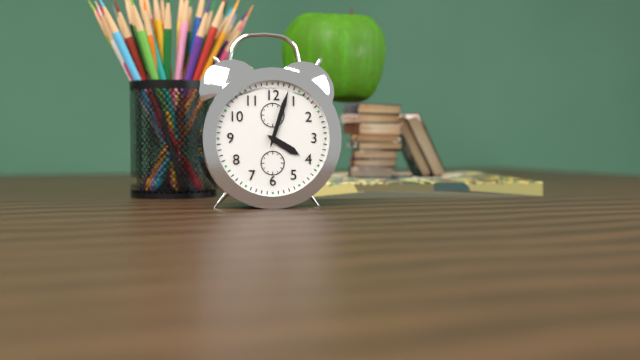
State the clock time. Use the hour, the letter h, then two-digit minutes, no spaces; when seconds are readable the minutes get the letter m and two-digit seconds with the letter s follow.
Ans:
4h03
